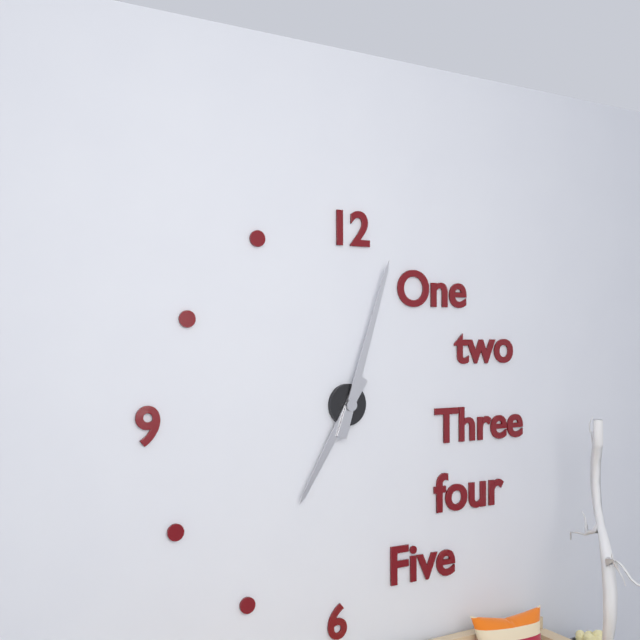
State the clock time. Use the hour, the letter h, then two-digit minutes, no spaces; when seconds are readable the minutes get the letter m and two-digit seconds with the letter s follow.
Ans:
7h03
